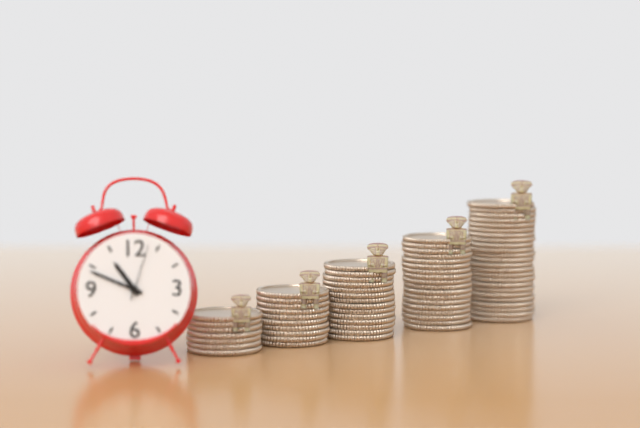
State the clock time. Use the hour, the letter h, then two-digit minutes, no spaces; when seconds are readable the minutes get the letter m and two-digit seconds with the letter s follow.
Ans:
10h49m03s
